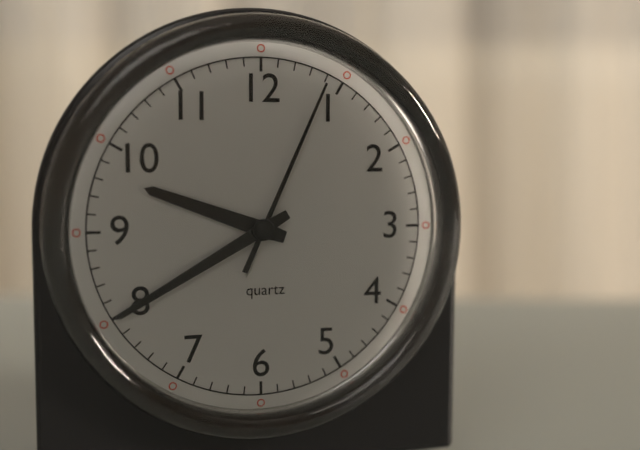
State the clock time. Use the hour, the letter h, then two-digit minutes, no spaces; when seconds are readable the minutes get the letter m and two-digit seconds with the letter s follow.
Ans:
9h40m04s
